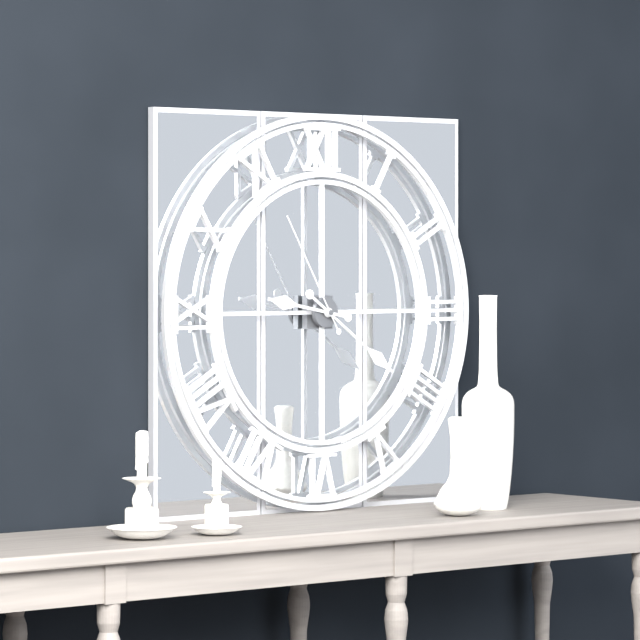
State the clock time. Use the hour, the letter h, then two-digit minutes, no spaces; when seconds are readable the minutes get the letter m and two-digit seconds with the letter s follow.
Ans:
9h21m55s
